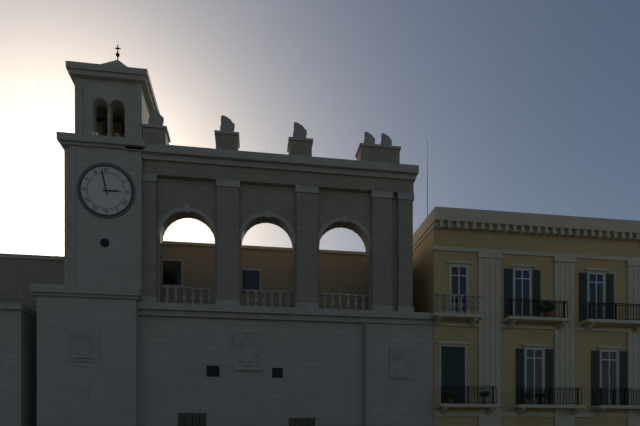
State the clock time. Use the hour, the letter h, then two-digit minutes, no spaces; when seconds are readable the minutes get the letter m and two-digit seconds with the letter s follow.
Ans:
2h58
